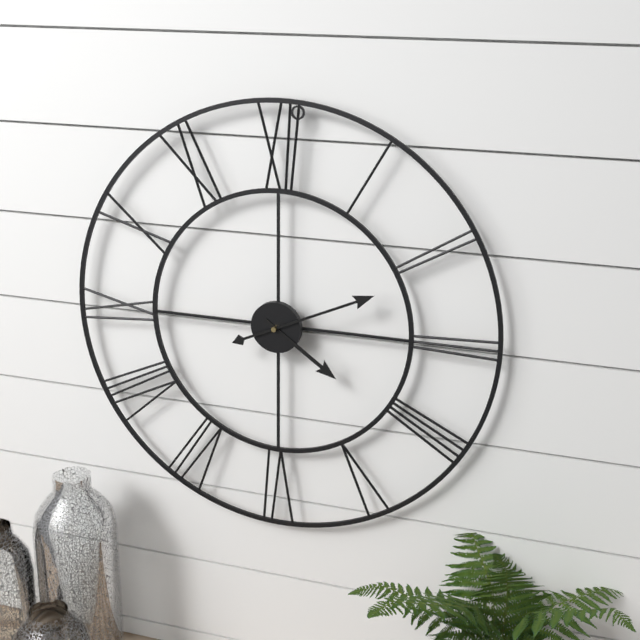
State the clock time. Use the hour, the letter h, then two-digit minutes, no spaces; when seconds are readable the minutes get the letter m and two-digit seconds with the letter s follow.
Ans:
4h11
